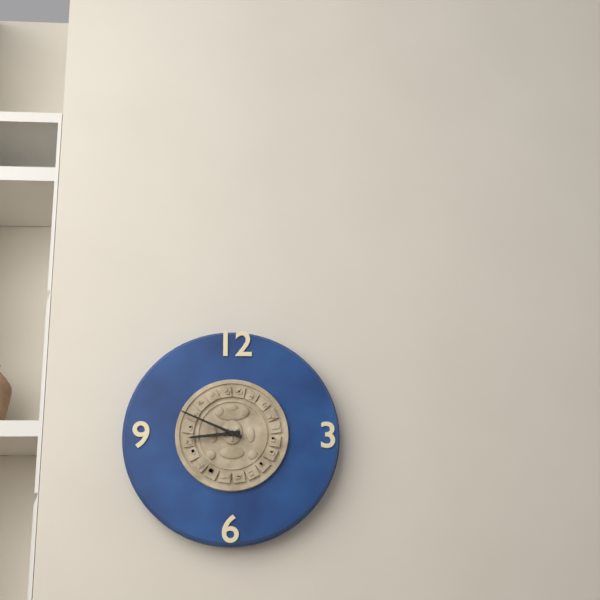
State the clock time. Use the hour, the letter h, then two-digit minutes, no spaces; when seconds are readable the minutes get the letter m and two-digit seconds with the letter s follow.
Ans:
8h49
